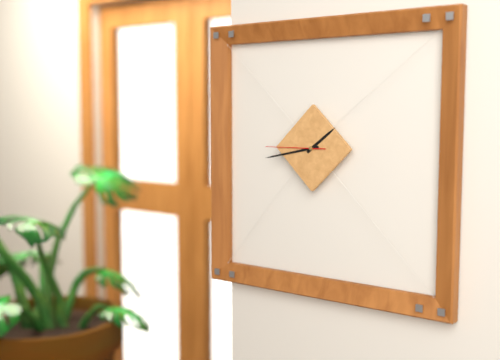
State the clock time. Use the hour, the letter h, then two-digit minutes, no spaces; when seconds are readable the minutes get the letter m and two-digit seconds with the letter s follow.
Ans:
1h43m45s
